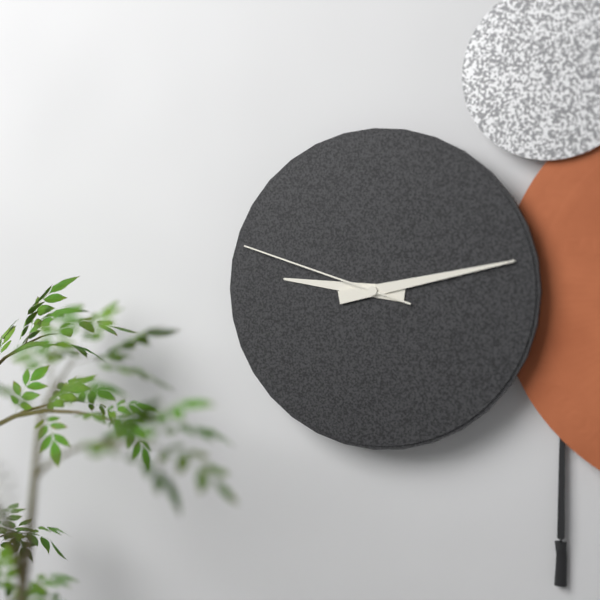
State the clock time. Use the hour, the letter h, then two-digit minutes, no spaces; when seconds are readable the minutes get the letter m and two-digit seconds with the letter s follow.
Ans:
9h13m48s
